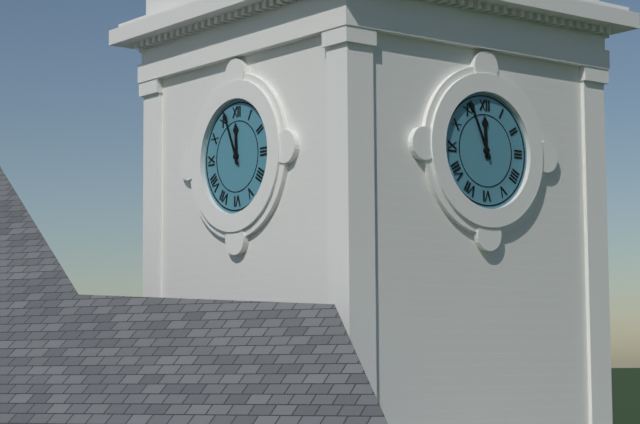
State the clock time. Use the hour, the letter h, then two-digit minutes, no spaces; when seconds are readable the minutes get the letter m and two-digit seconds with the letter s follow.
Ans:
11h56
